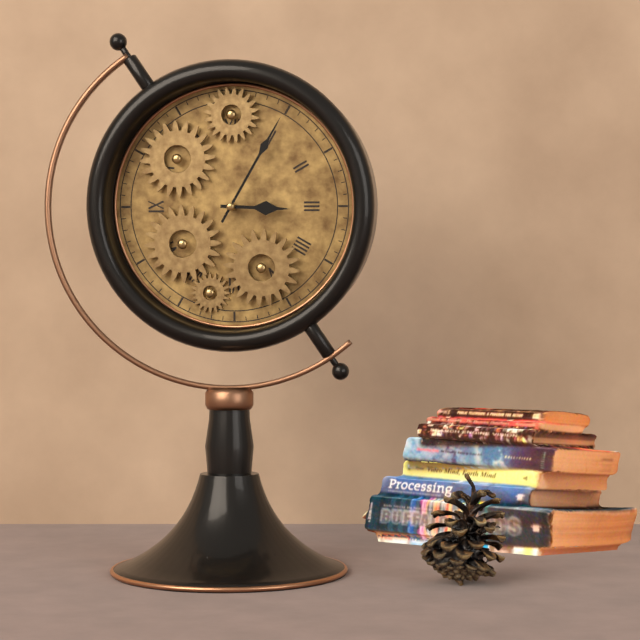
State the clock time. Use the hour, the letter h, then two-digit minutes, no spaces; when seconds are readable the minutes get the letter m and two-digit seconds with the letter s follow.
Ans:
3h05
